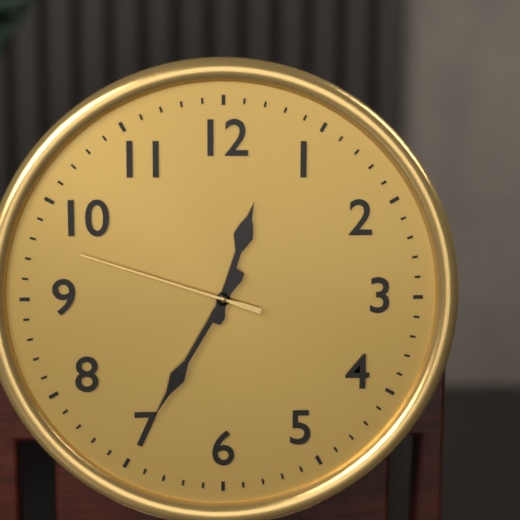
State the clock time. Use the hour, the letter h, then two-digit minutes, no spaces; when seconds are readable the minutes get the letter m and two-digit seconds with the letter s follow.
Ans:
12h35m48s
